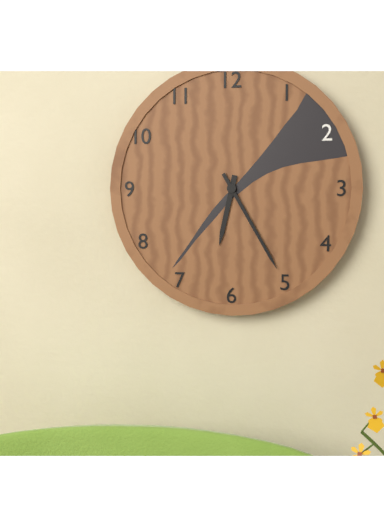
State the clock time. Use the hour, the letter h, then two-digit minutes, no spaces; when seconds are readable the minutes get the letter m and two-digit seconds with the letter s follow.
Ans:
6h25
